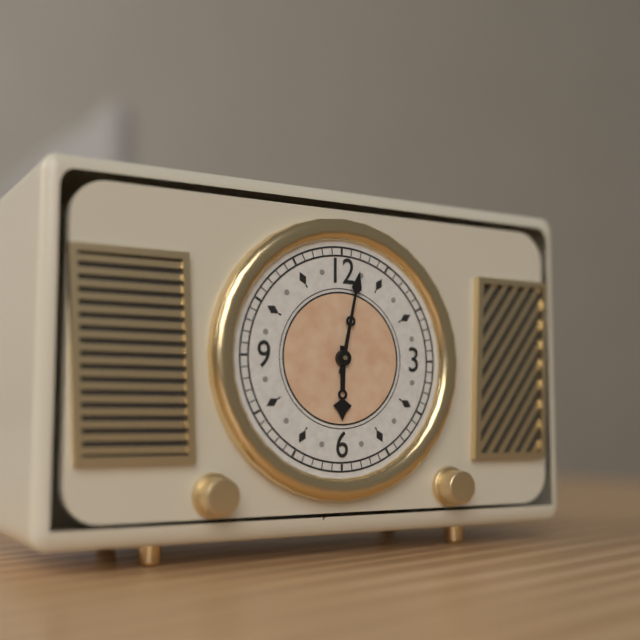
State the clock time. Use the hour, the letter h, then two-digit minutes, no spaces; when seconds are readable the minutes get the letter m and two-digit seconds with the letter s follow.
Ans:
6h02
